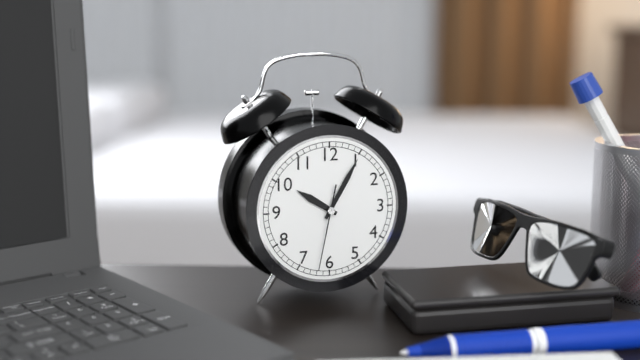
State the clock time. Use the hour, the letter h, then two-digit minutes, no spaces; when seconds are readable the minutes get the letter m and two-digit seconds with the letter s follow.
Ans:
10h05m32s
